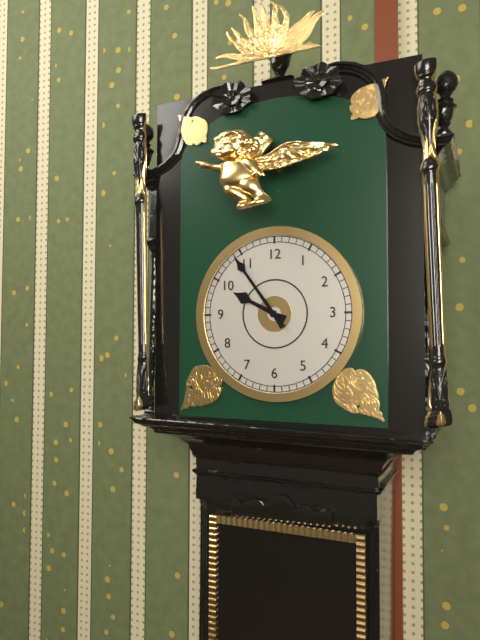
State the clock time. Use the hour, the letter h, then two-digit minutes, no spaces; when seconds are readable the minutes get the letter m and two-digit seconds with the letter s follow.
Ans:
9h54
